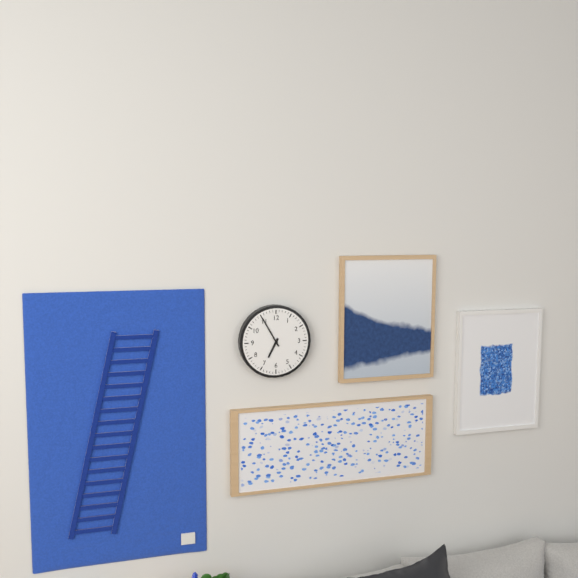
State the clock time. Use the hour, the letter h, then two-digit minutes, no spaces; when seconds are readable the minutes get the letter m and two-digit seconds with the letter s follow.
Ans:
6h55
